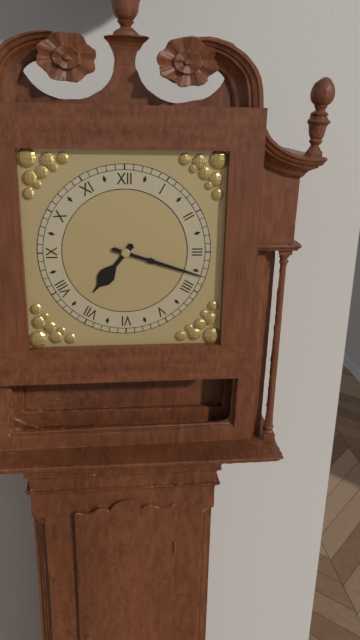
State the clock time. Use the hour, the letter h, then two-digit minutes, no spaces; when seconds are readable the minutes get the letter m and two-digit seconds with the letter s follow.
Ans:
7h18
